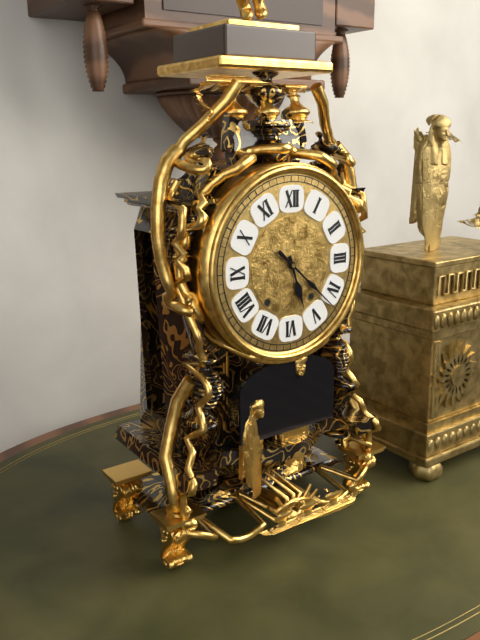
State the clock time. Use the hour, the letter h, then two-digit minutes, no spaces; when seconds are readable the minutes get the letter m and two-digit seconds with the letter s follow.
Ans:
5h22
